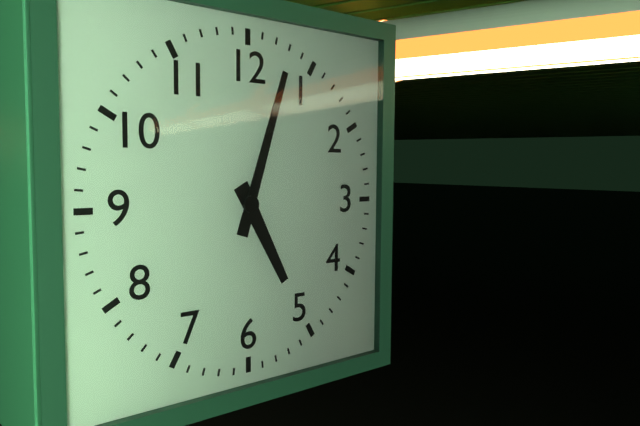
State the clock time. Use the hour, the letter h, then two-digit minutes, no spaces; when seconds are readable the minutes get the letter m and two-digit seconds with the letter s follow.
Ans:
5h03
